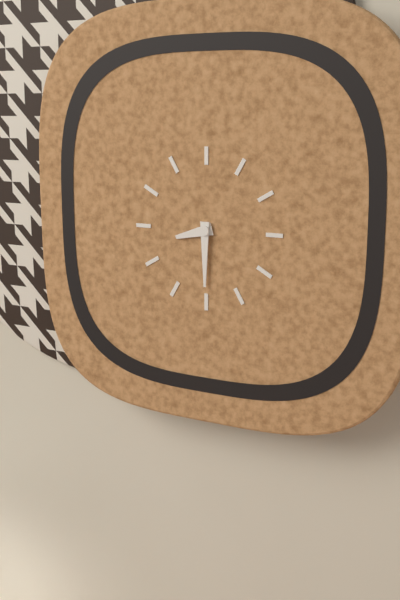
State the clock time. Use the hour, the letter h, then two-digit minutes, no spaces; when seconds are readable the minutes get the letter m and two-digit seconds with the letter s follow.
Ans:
8h30
